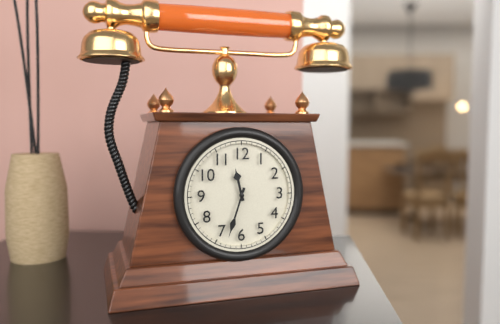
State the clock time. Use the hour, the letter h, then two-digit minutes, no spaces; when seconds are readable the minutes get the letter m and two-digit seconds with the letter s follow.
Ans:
11h33
